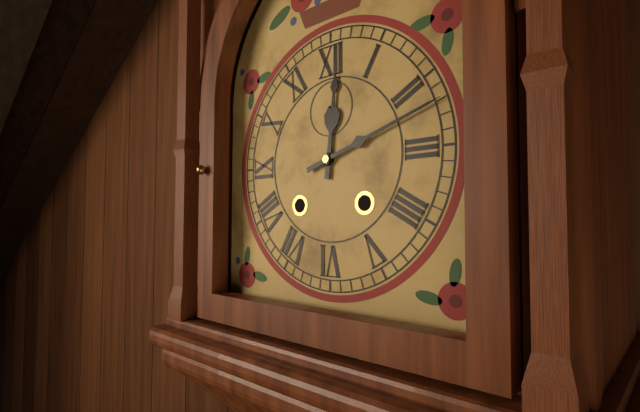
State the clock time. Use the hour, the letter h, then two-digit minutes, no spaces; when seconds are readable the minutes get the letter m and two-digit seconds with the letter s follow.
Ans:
12h12
